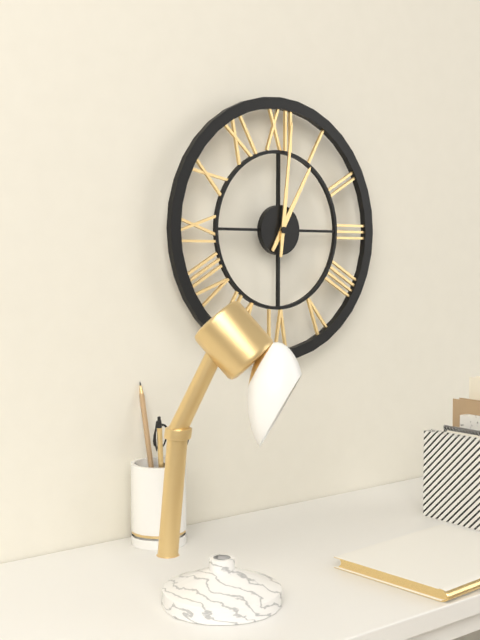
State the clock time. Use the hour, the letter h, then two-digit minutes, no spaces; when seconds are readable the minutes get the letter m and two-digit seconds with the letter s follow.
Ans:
1h01
